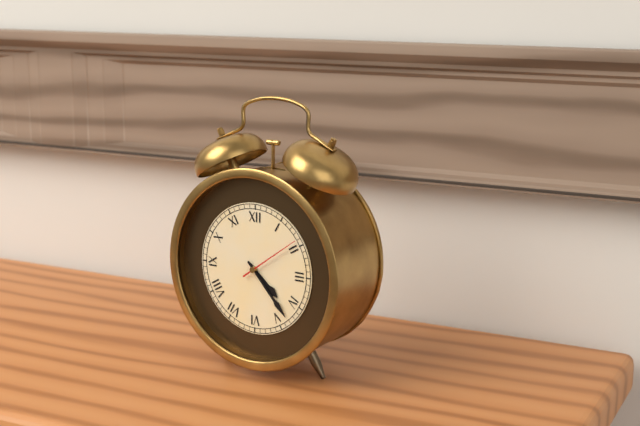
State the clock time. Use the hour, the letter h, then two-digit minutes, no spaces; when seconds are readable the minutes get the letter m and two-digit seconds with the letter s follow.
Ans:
4h23m09s
